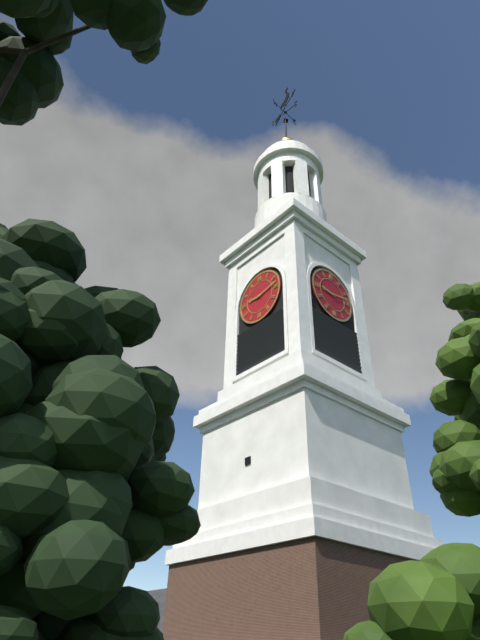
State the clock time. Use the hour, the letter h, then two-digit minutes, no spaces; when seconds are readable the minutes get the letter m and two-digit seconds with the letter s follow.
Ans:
9h13
